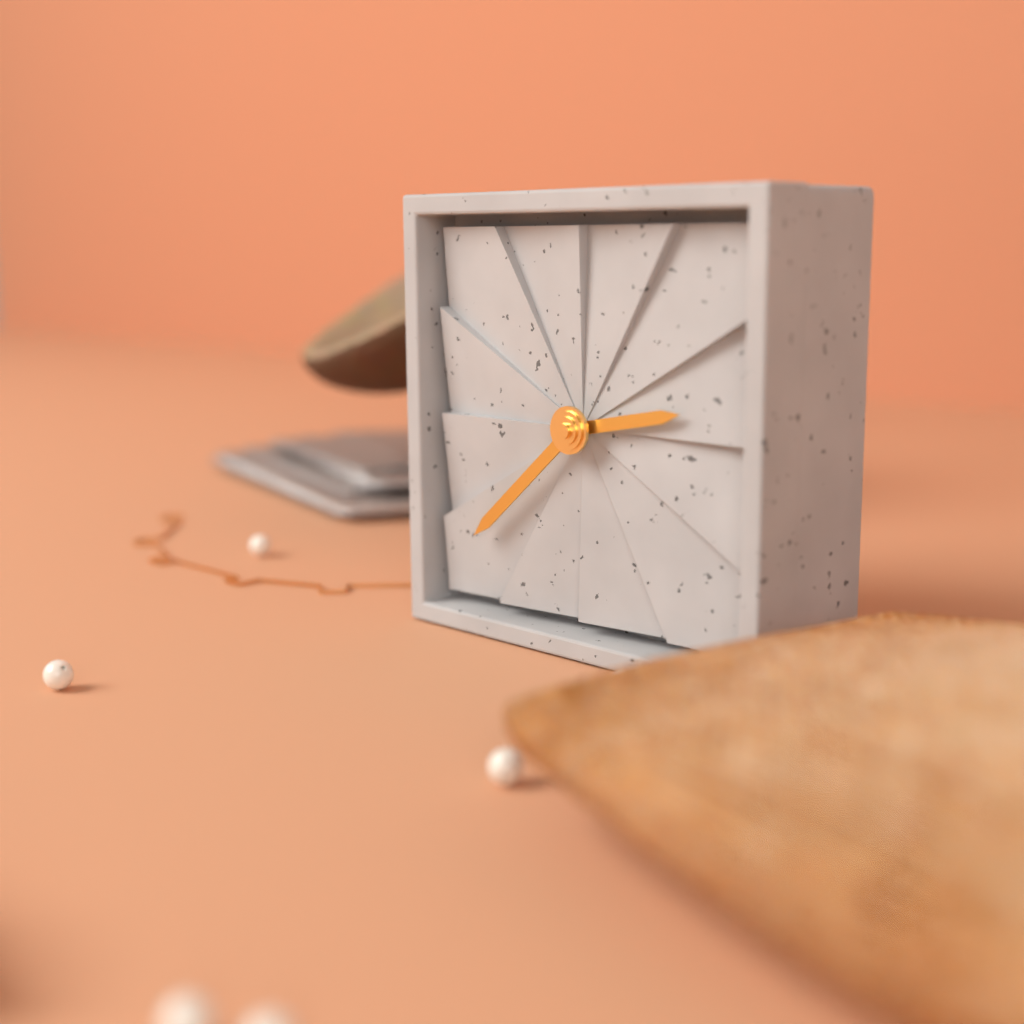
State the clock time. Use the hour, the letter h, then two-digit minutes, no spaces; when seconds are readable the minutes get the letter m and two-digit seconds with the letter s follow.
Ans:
2h38
